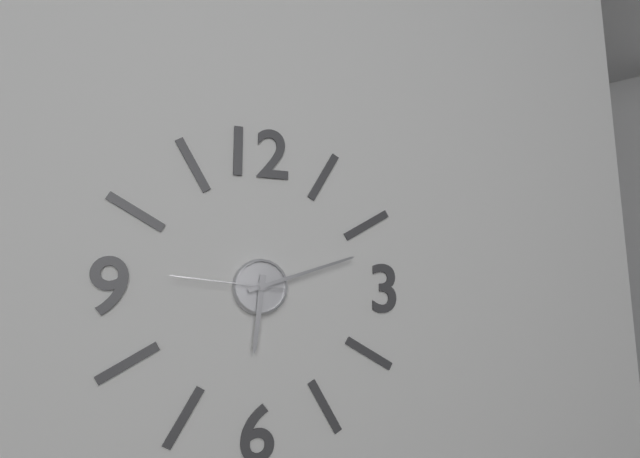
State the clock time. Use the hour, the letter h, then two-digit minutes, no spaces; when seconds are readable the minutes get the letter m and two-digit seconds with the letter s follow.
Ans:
6h12m46s
